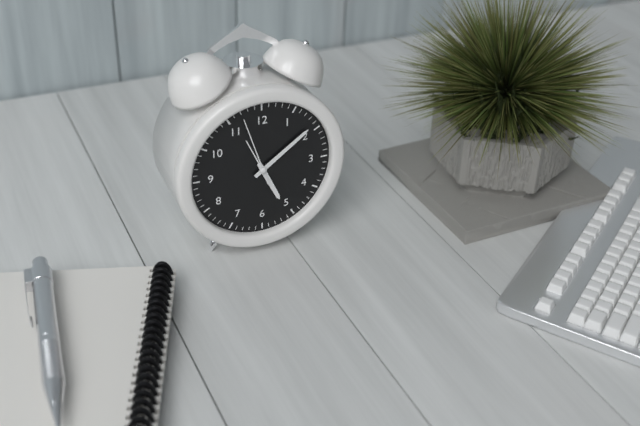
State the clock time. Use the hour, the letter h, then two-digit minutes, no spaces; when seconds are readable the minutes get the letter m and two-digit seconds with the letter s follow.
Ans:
5h09m57s
